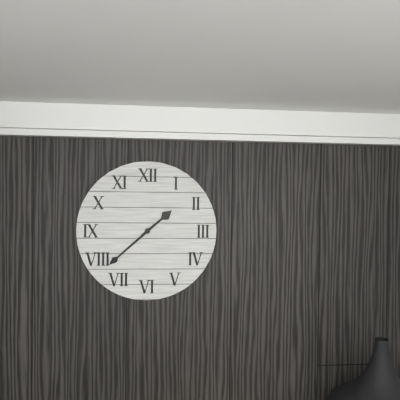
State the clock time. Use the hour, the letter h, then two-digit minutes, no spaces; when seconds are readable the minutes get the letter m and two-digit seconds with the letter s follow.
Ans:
1h38
